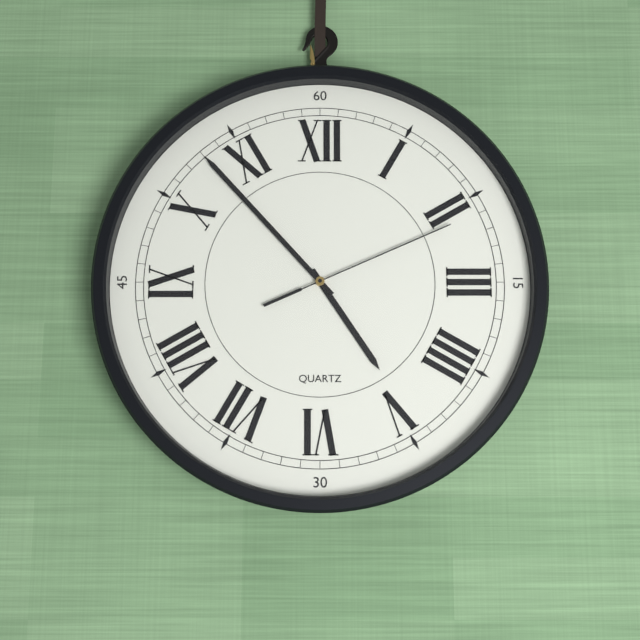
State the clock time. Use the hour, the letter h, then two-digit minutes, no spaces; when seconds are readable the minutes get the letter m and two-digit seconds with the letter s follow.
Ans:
4h53m11s
